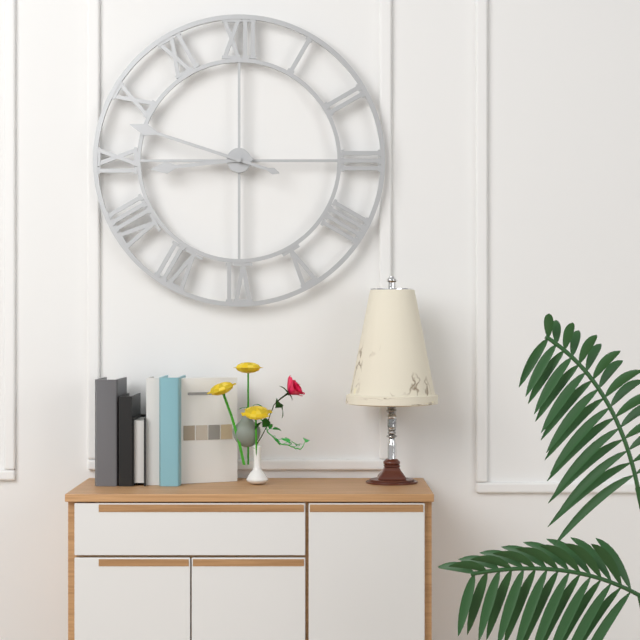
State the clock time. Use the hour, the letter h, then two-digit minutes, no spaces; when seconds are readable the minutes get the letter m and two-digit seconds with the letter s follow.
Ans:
8h48
